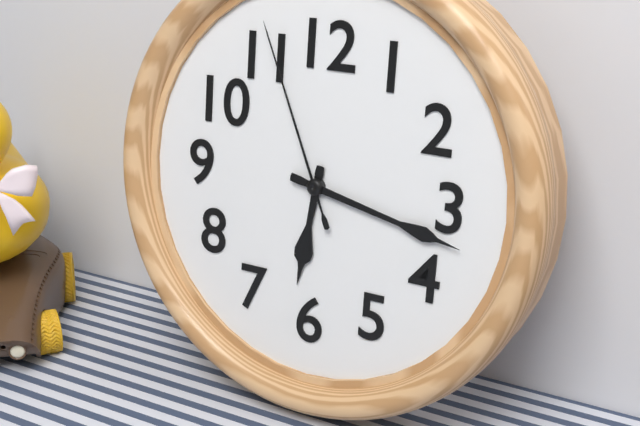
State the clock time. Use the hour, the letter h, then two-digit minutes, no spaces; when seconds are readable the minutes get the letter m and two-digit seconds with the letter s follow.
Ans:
6h17m56s
